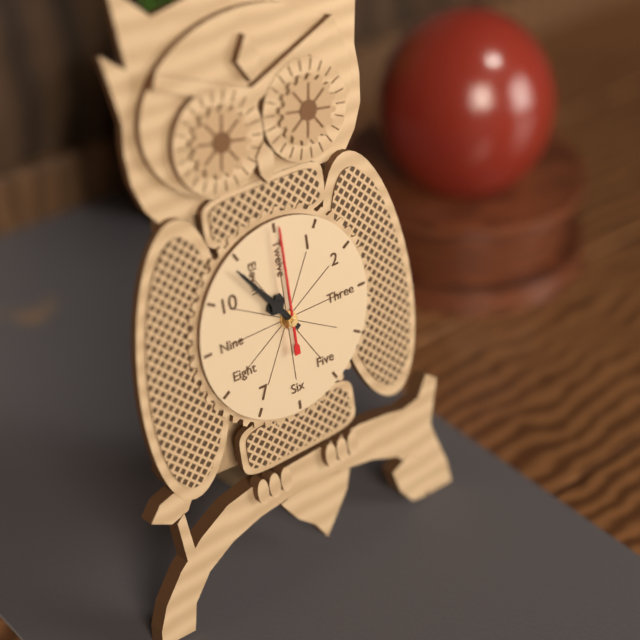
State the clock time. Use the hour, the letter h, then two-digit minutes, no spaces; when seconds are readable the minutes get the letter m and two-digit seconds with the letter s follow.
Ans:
10h54m00s
